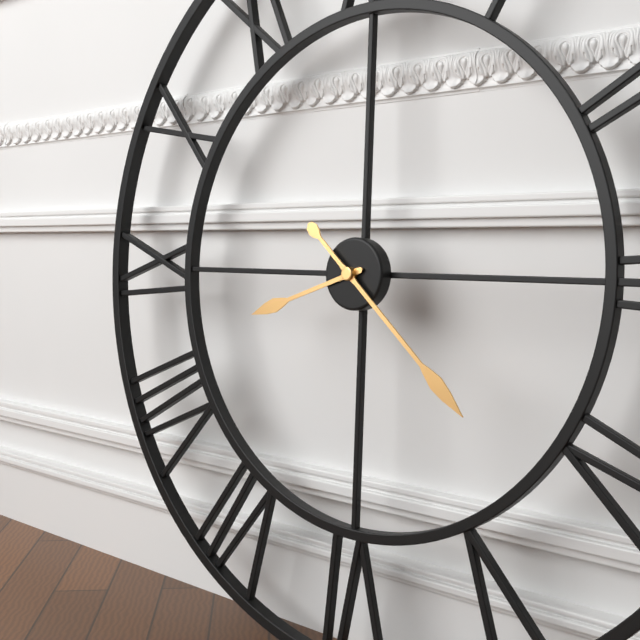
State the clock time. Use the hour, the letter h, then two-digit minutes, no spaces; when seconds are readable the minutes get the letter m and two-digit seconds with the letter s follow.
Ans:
8h22
